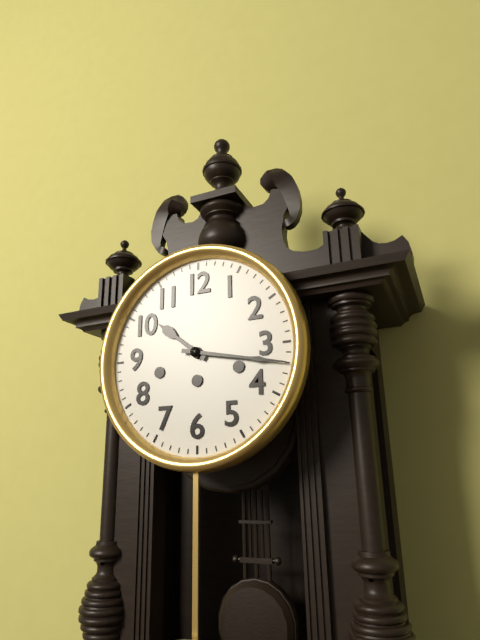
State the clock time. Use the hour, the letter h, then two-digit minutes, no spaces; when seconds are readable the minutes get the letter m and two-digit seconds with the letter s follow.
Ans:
10h17
